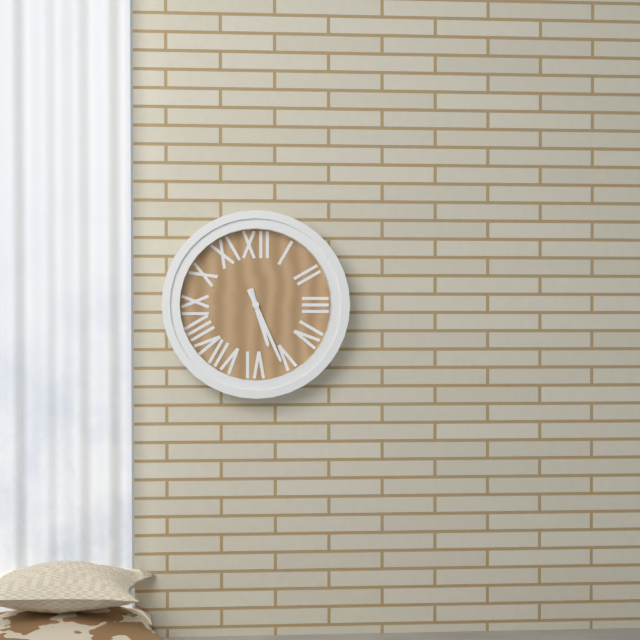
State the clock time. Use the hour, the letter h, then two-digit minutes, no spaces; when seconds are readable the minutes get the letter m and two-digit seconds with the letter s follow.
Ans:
5h26
